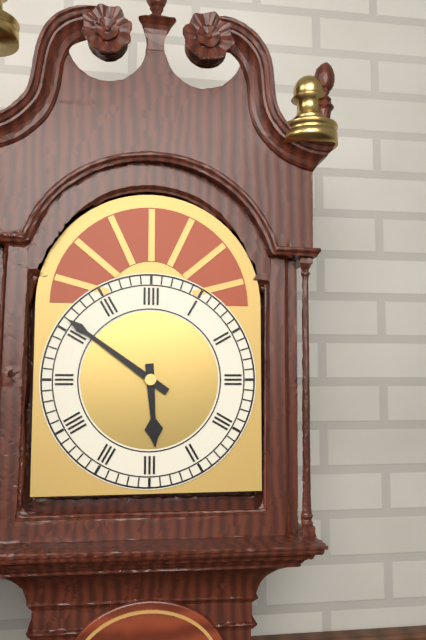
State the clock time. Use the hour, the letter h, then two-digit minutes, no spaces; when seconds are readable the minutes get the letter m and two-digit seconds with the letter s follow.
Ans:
5h51
